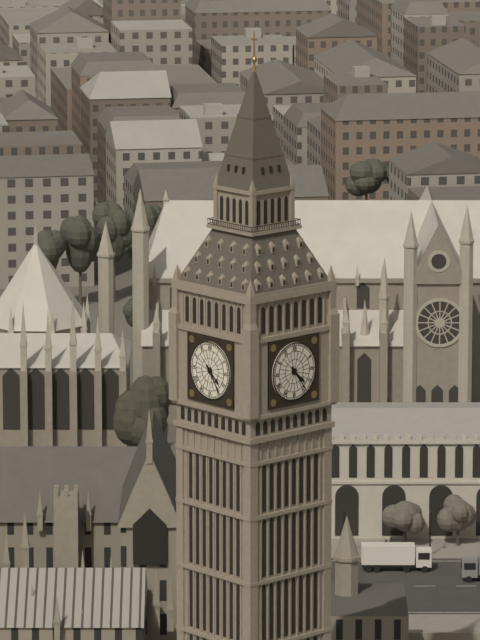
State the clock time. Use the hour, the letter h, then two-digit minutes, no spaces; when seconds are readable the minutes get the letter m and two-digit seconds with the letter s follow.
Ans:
4h24
